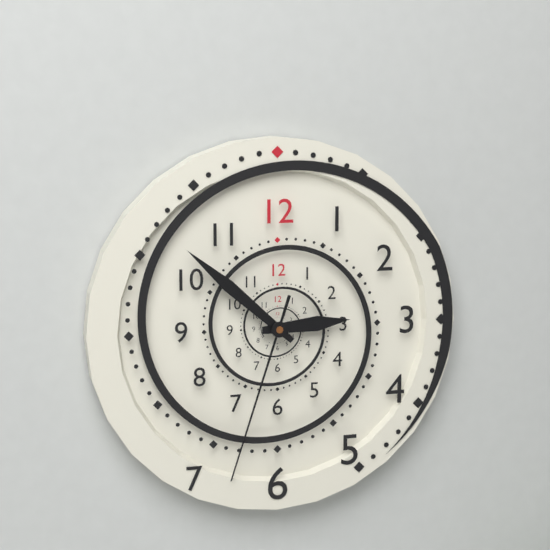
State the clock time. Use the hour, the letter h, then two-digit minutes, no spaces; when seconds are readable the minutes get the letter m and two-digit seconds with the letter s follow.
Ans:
2h52m33s
